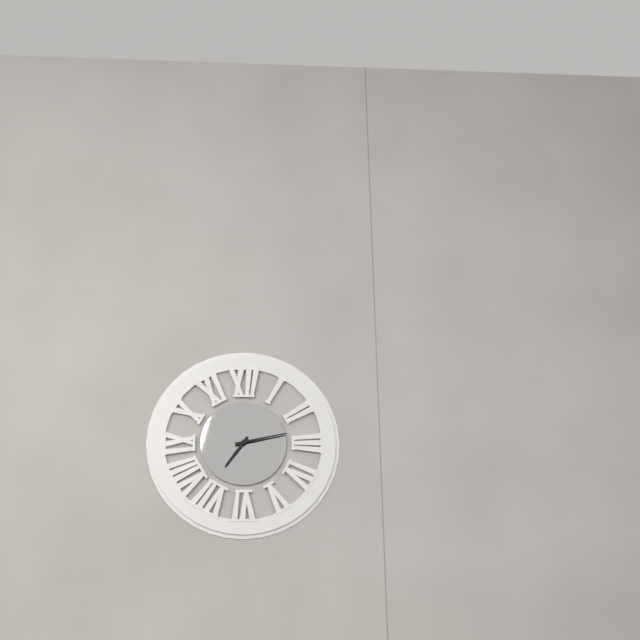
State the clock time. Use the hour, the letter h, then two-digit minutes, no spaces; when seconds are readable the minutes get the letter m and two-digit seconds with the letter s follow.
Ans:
7h13
